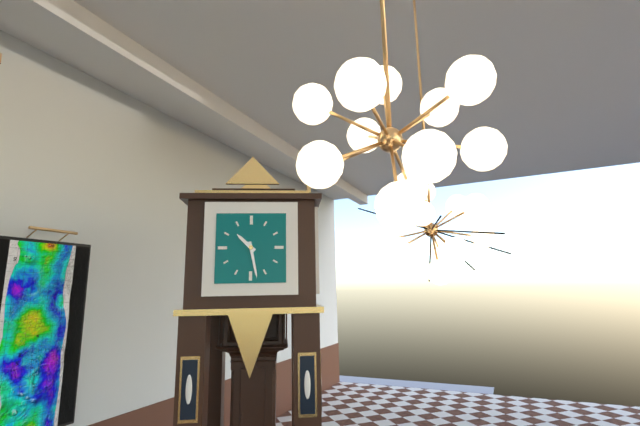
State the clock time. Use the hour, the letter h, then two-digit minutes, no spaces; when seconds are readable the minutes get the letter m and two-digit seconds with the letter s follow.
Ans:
10h28
